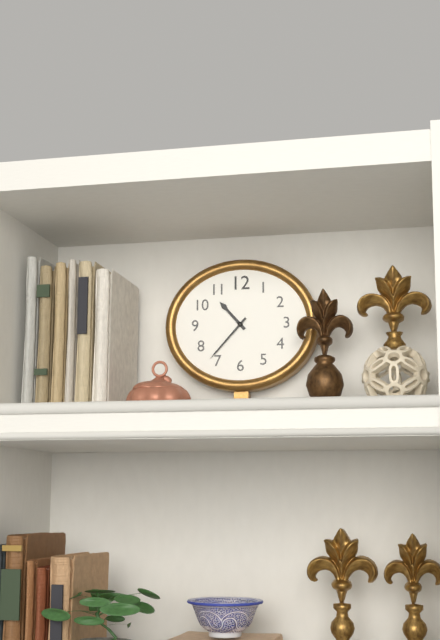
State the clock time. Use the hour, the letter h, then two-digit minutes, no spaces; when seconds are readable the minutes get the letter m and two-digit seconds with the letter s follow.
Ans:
10h37
